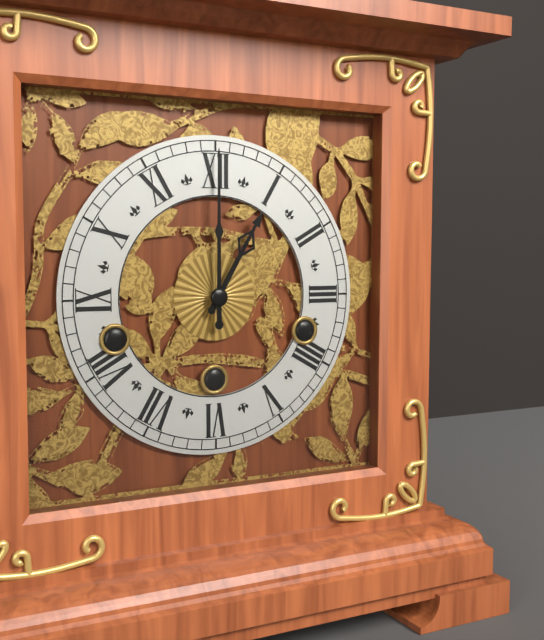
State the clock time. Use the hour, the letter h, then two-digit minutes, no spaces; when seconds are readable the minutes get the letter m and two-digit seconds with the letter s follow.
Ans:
1h00
